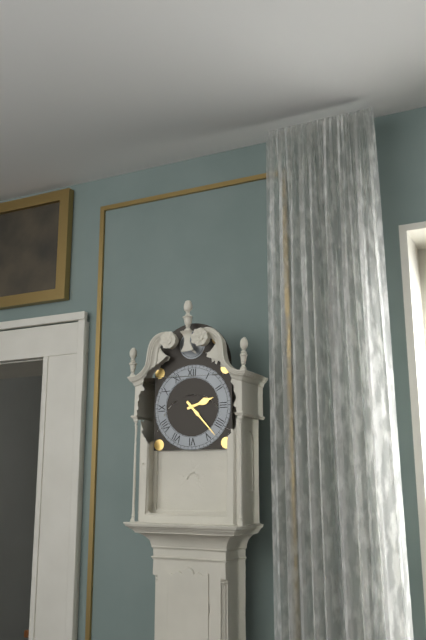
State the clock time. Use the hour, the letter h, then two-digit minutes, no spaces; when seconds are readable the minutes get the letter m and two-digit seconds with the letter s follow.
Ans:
2h23
